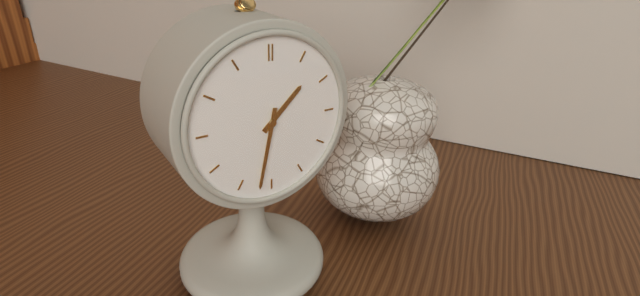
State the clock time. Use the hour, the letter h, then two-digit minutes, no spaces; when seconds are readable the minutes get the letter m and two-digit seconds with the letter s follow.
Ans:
1h32
